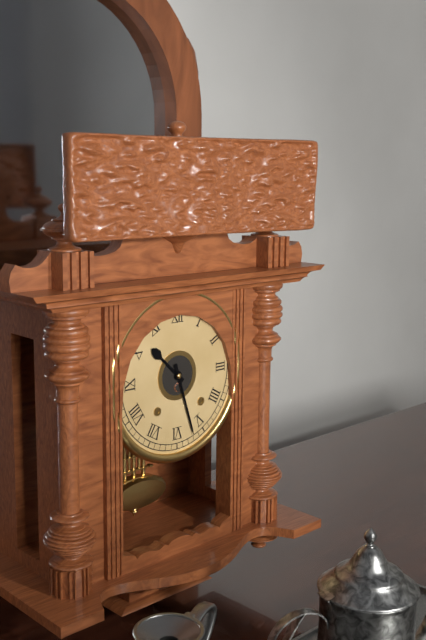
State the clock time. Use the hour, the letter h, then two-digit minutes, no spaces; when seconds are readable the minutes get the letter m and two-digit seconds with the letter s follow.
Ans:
10h27
